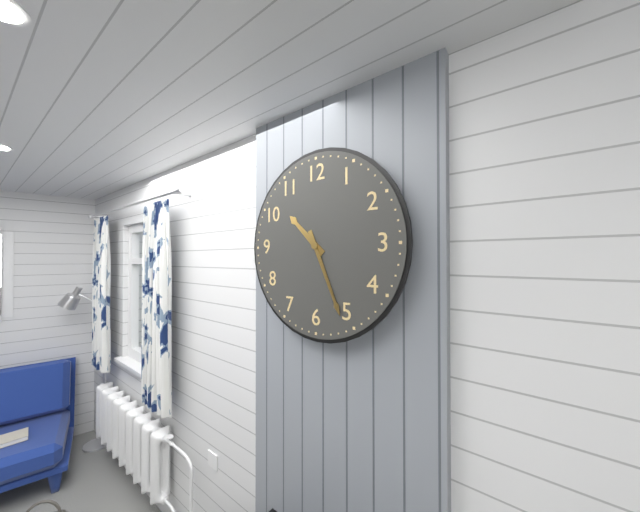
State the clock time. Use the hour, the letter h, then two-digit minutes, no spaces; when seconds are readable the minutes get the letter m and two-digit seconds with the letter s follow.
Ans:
10h26
